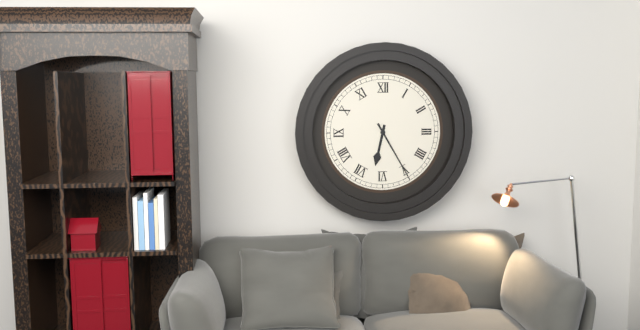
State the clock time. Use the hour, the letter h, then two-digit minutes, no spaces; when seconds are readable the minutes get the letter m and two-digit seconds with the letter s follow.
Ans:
6h25
